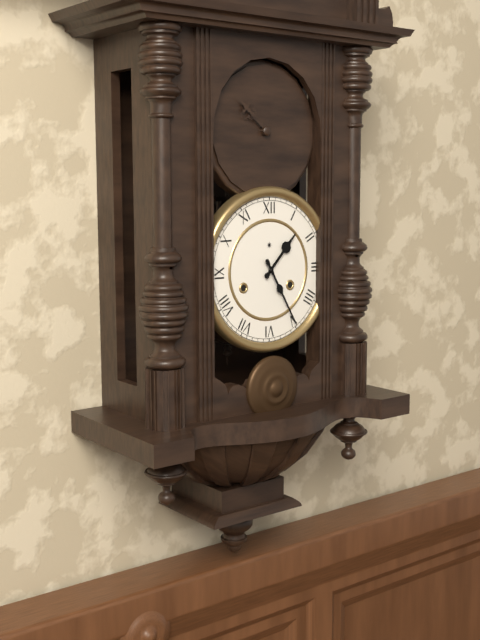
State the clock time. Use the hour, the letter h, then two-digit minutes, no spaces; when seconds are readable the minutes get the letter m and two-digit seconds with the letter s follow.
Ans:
1h25
